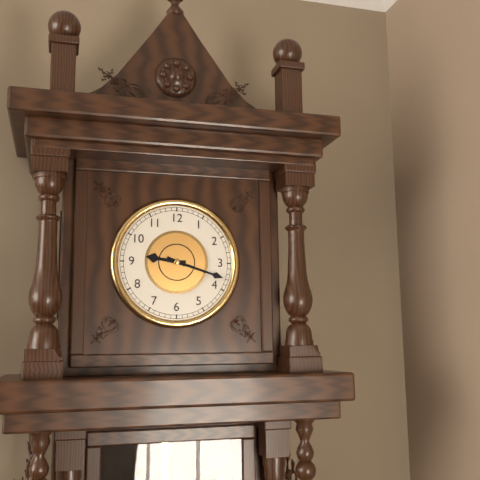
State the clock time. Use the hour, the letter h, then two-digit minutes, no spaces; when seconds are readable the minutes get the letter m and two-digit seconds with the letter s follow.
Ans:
9h18
